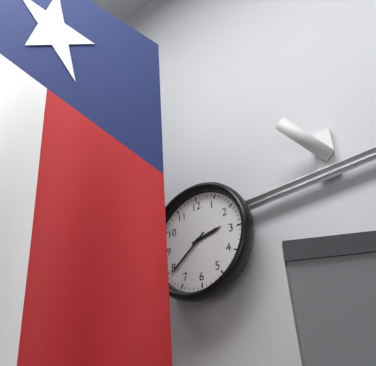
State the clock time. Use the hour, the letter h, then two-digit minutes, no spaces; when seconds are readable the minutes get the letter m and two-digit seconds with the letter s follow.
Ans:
2h39
